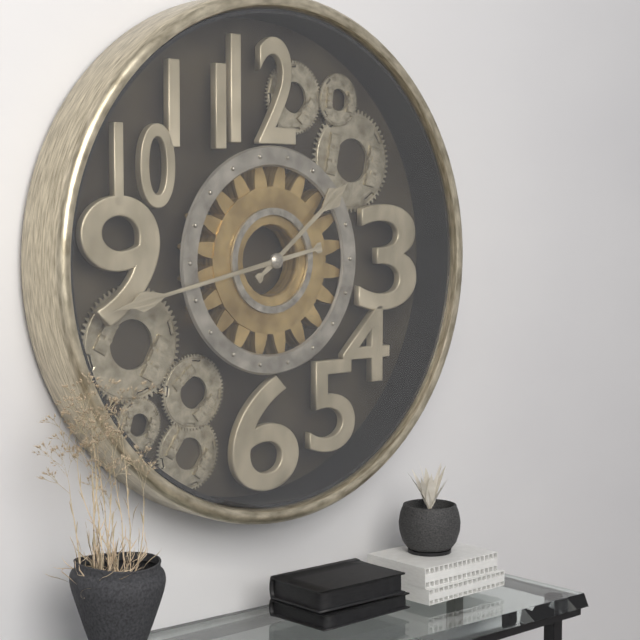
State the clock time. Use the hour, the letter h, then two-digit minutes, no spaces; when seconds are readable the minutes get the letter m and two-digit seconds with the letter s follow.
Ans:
1h43
